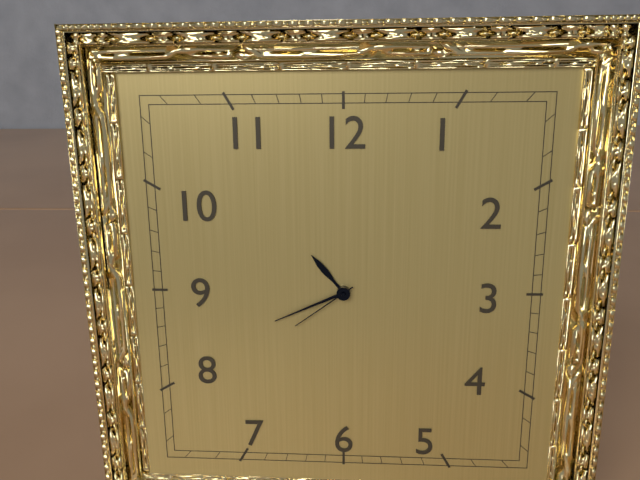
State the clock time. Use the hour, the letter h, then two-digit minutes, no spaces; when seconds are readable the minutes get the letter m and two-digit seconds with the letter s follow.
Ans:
10h41m39s
